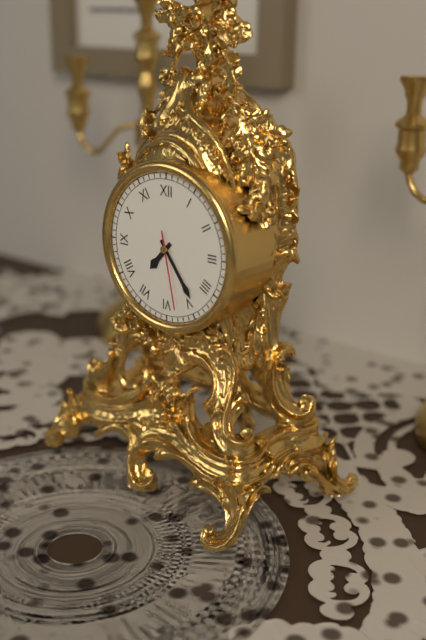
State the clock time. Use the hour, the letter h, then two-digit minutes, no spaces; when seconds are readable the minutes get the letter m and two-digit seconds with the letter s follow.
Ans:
7h24m28s
